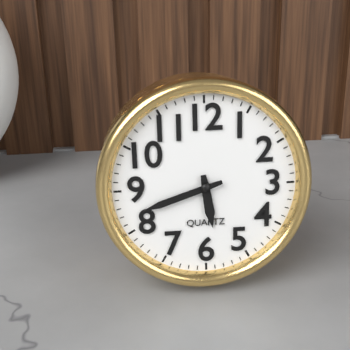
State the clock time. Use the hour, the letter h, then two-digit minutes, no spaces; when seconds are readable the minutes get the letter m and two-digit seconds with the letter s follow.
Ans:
5h42
